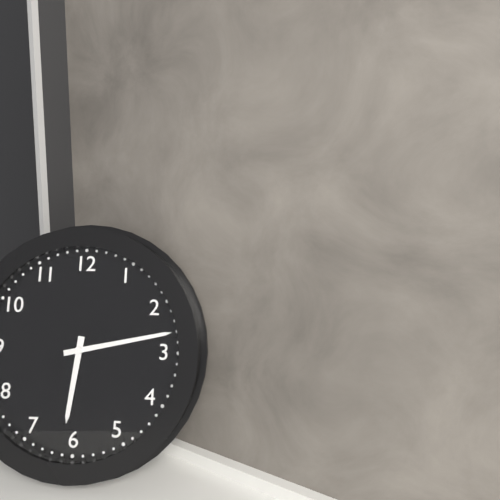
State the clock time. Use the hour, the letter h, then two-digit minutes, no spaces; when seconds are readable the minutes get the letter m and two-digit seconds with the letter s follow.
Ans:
6h13
